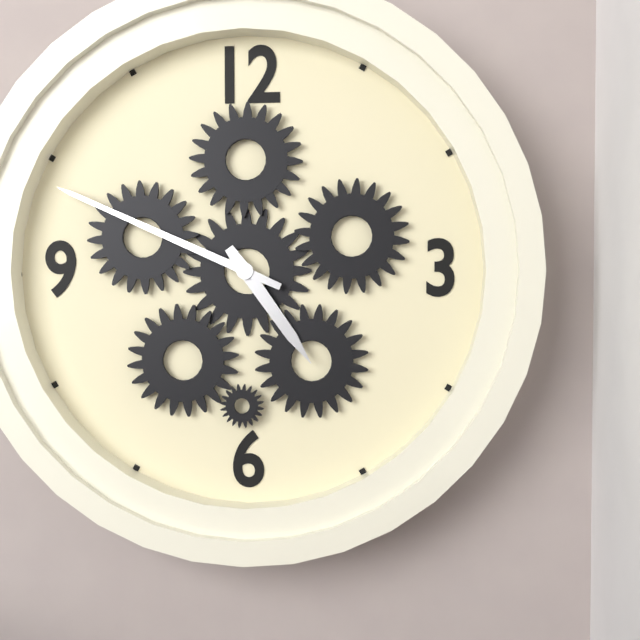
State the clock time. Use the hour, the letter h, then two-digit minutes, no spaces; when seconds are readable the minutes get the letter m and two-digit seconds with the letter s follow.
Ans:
4h49
